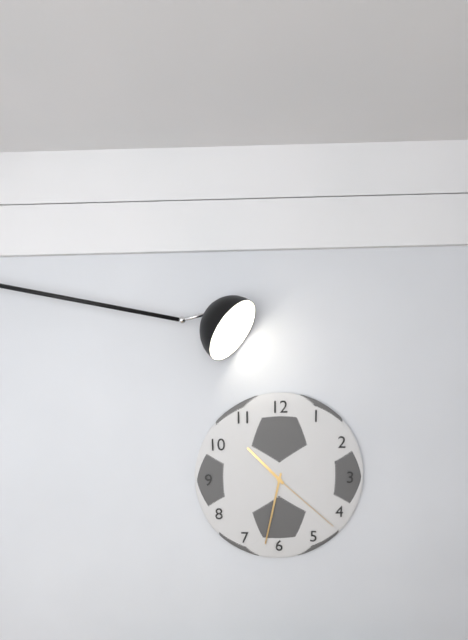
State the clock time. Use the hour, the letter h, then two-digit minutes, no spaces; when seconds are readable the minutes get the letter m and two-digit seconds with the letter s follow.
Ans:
10h32m22s
